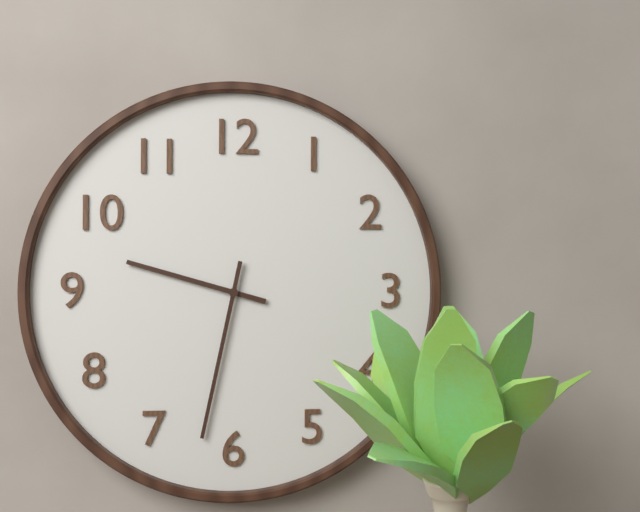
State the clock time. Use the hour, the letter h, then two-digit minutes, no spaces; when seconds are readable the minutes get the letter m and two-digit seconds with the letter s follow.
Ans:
9h32
